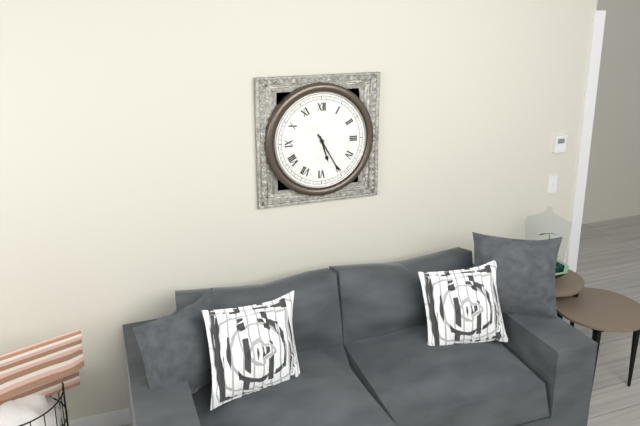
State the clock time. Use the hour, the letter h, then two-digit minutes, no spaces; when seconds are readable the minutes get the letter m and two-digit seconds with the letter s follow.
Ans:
5h25
